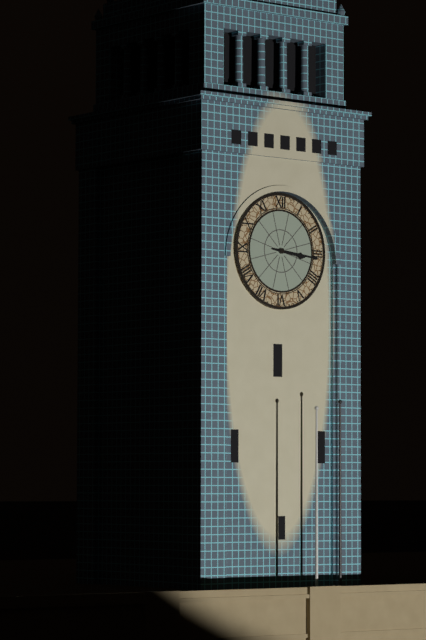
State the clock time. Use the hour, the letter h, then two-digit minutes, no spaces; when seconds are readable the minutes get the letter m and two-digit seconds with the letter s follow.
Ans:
3h16
